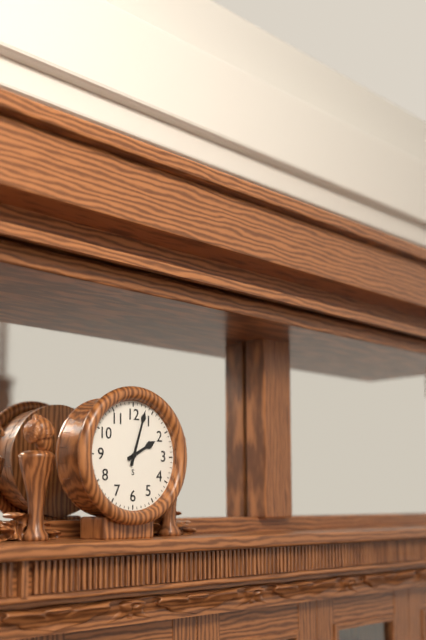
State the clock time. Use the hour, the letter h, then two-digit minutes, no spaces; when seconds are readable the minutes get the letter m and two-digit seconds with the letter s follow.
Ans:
2h03
